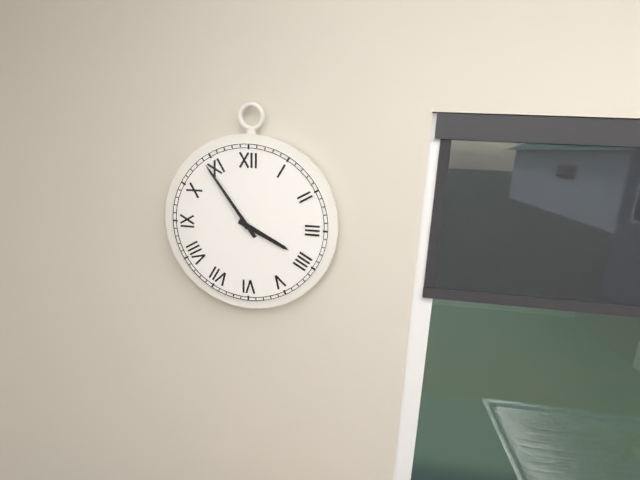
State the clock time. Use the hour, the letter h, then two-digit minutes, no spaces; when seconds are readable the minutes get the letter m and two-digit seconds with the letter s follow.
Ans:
3h54
